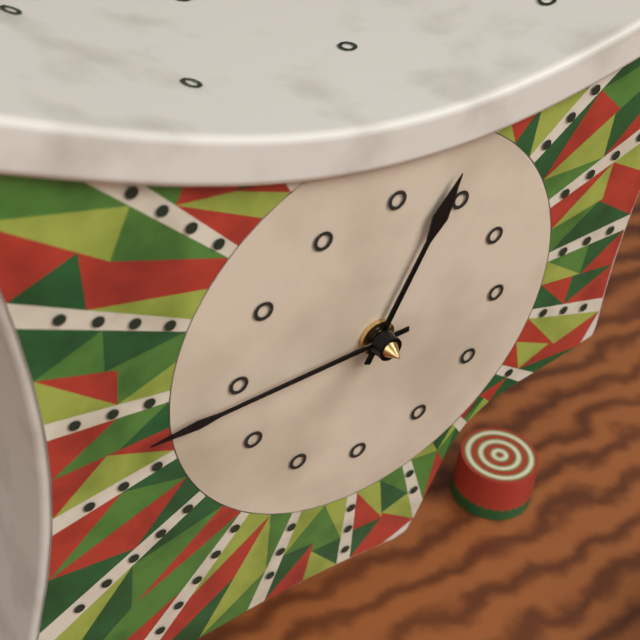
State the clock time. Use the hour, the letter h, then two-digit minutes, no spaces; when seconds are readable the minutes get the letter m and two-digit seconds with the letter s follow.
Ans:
12h44
